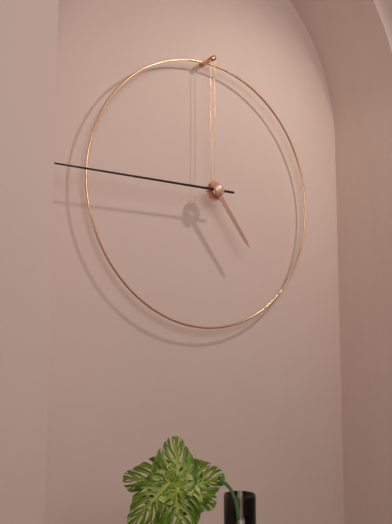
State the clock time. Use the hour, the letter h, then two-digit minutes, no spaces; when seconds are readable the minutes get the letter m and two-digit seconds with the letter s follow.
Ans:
4h45
